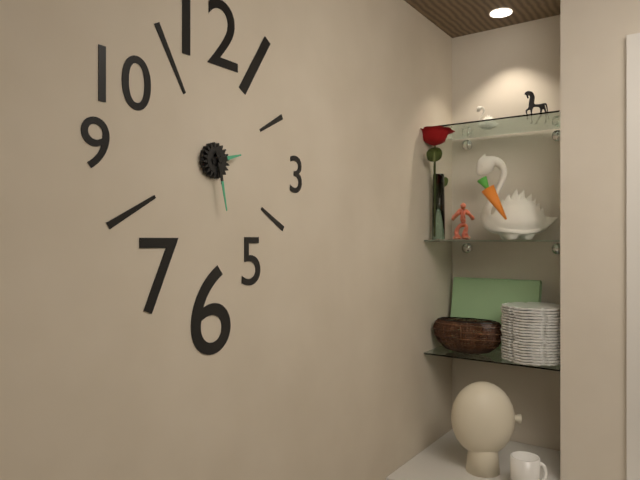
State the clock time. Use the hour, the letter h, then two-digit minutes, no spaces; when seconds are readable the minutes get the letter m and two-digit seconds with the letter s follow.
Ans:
2h28
